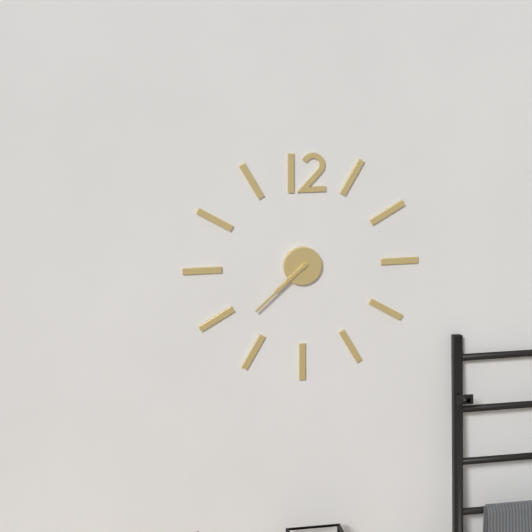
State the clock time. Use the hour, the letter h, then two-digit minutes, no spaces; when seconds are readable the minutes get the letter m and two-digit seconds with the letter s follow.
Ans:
7h38
